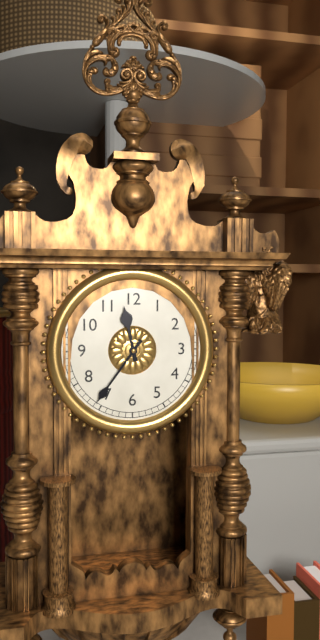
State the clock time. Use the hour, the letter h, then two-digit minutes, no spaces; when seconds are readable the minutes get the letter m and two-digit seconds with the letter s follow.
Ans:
11h36
